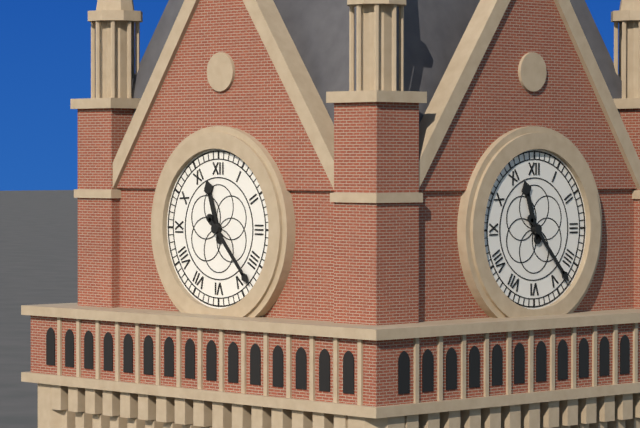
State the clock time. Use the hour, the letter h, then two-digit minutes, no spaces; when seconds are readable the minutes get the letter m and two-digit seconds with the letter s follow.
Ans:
11h23
